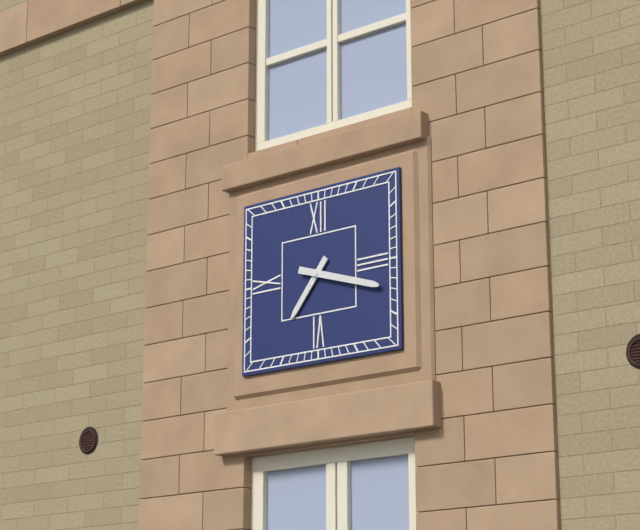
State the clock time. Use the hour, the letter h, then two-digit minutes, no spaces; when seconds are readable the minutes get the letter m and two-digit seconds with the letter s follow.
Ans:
7h18
